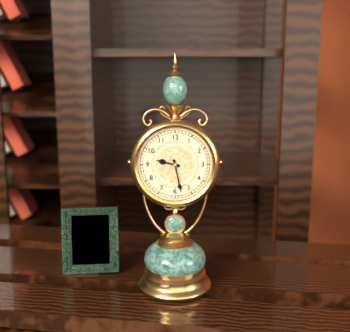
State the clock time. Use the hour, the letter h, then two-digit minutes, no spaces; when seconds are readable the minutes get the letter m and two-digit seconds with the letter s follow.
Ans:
9h28
